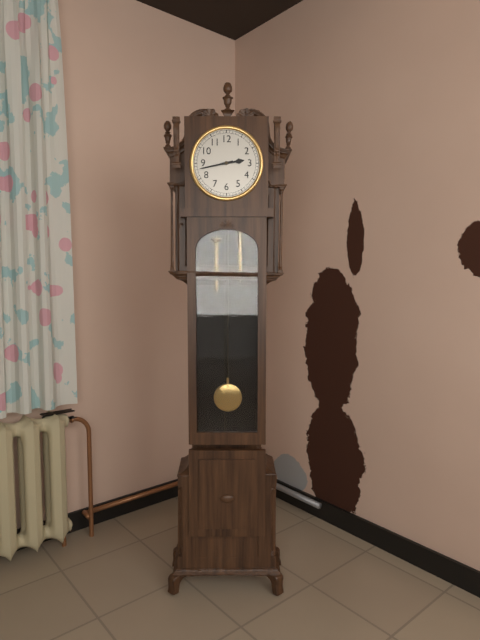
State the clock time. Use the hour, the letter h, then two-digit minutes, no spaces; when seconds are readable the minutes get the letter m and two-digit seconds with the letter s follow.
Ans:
2h43
